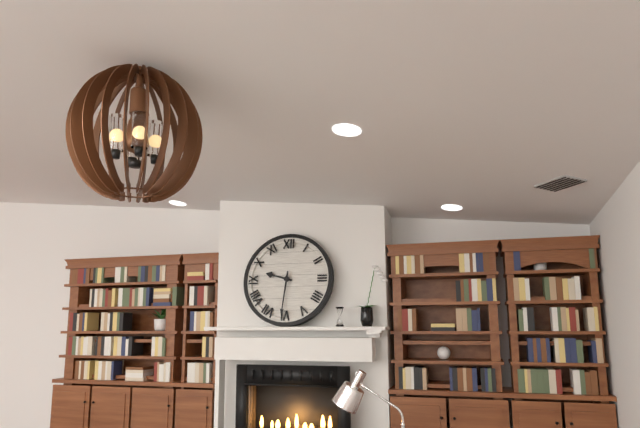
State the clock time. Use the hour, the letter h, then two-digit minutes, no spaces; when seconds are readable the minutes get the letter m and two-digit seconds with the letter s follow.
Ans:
9h31
